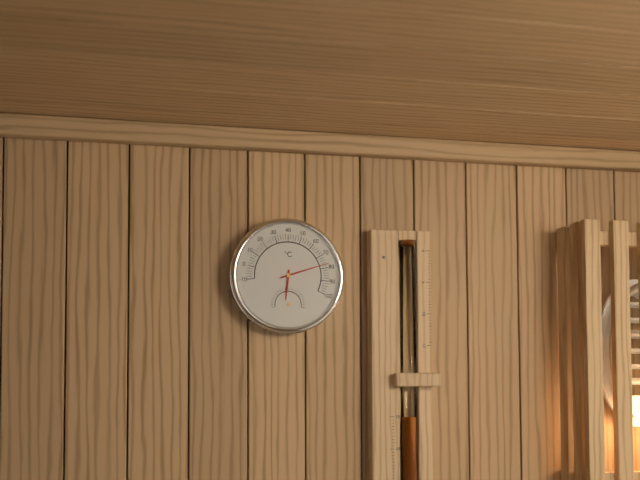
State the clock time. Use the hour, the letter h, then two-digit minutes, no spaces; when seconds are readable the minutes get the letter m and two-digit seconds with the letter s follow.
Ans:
6h12
